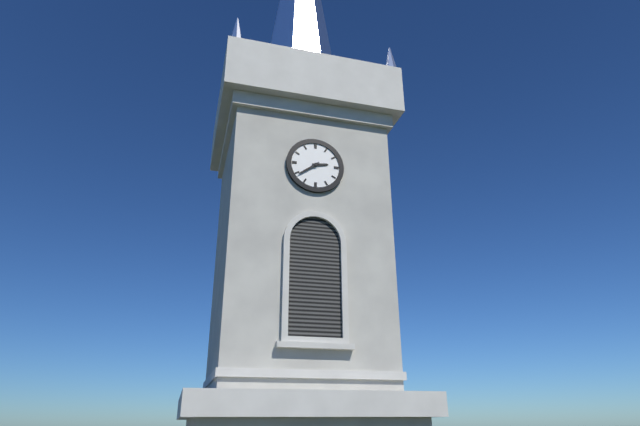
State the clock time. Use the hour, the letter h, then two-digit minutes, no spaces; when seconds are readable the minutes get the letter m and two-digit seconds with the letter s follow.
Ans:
2h39
